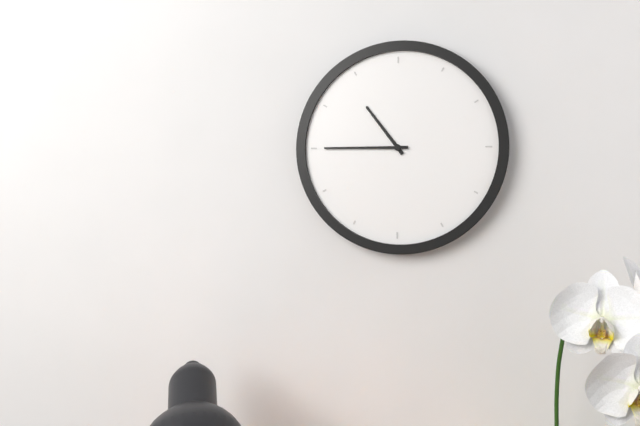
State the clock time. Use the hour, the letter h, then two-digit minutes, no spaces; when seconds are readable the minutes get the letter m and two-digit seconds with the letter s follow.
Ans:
10h45
